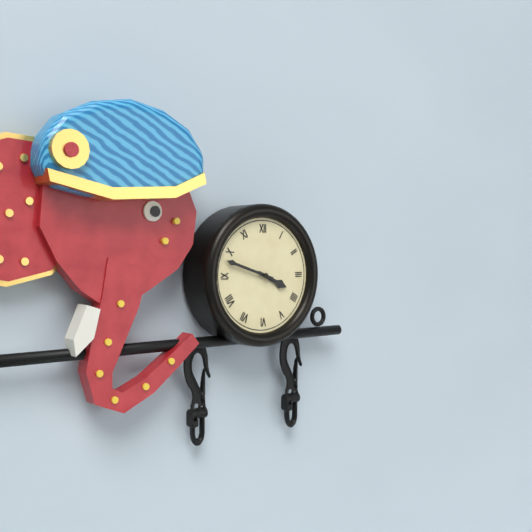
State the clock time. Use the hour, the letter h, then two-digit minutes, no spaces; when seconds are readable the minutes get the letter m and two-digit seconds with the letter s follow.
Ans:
3h48
